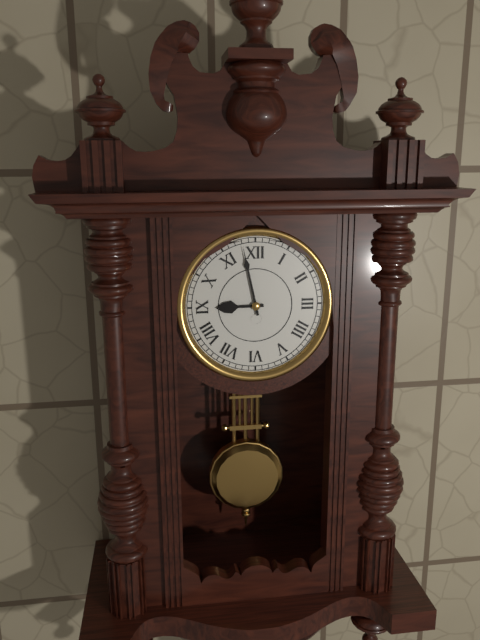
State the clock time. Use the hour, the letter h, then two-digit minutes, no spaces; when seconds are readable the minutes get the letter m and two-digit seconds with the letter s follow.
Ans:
8h58
